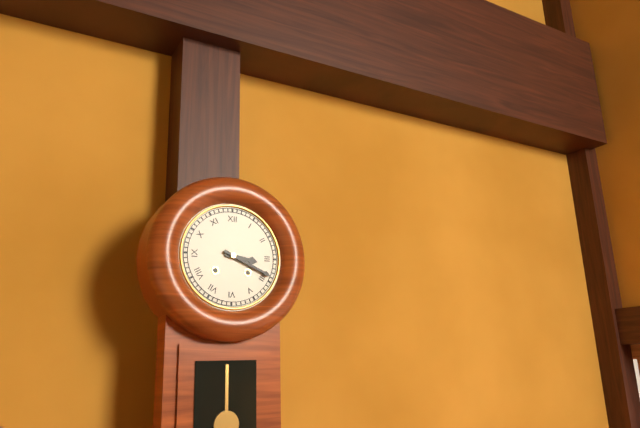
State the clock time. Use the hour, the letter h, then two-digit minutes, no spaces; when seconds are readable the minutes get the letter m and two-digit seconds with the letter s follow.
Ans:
3h19
